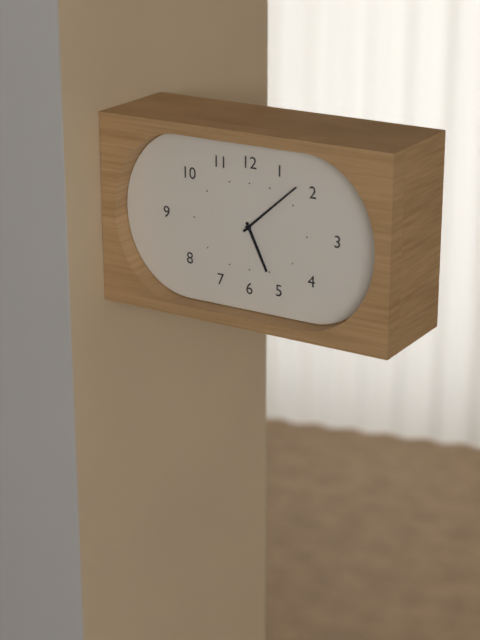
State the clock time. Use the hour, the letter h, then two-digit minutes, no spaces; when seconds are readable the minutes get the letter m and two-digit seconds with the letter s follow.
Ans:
5h08
